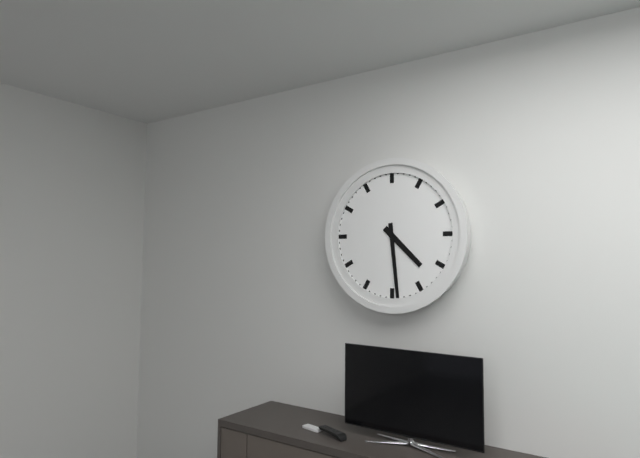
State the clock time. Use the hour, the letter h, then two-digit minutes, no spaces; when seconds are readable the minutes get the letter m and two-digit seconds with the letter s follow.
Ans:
4h29
